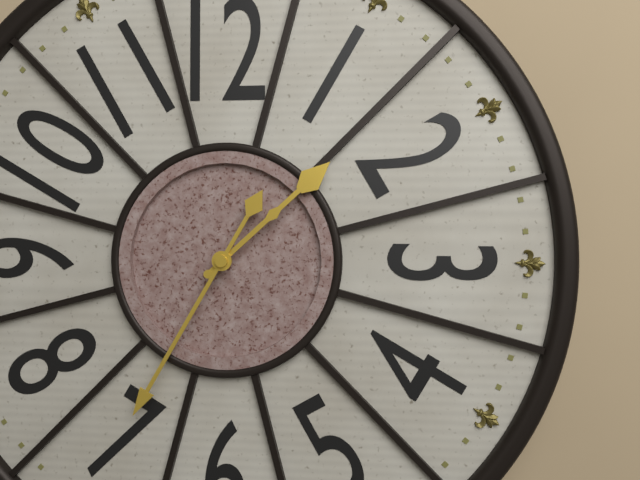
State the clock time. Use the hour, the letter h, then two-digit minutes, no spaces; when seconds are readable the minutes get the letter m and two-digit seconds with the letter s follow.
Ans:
1h35
